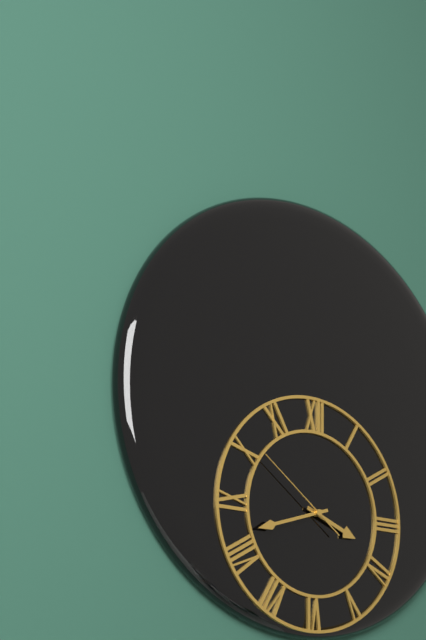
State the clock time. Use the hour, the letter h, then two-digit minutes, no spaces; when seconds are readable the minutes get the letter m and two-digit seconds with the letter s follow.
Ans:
3h42m51s
